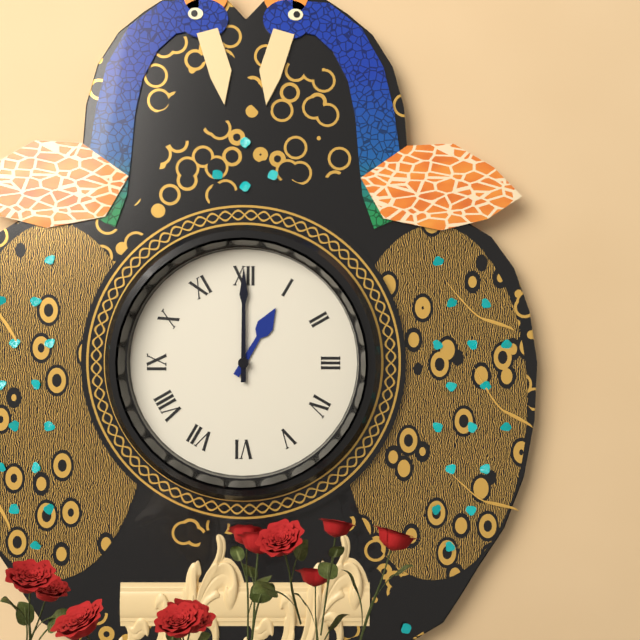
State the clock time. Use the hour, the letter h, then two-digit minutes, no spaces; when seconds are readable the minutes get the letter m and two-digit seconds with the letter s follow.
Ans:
1h00
